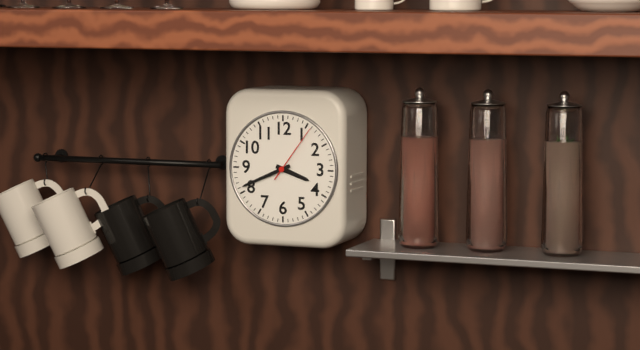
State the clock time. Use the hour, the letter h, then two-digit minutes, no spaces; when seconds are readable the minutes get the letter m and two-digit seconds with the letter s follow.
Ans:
3h41m06s
